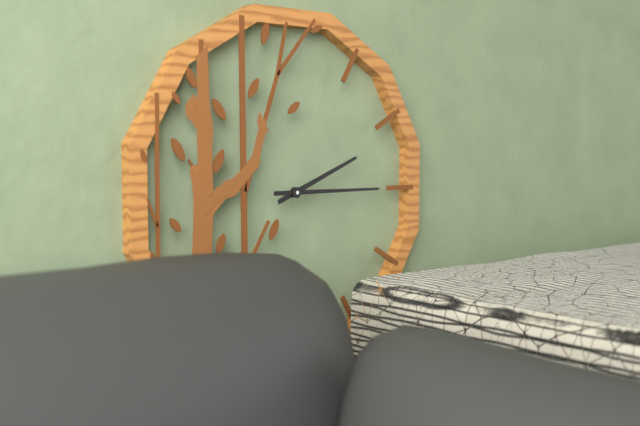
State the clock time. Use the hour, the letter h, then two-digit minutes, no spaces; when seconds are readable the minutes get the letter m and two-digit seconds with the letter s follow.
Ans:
2h15
